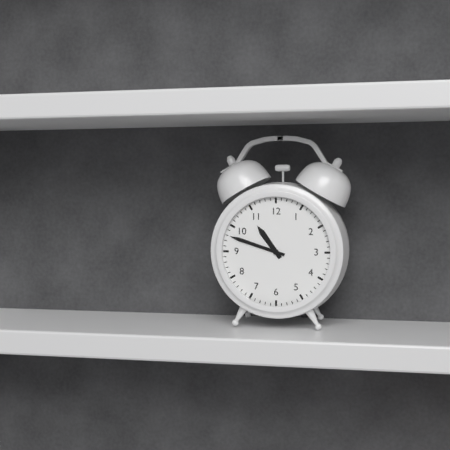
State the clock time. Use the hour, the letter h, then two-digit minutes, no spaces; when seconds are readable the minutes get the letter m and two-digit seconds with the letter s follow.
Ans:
10h48
